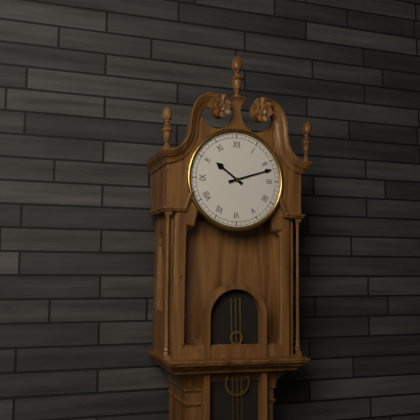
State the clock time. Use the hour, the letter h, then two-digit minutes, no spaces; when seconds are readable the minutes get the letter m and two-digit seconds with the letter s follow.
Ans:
10h12
